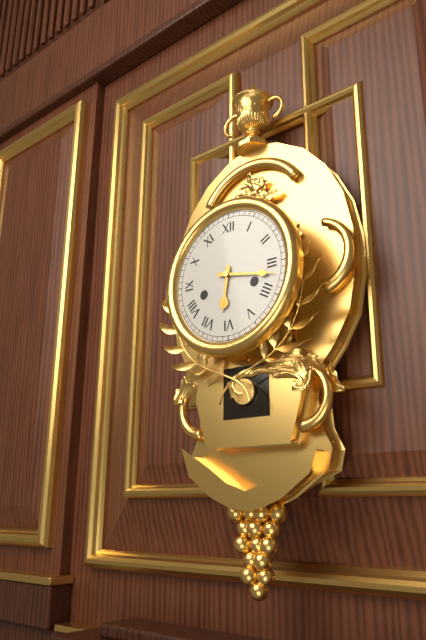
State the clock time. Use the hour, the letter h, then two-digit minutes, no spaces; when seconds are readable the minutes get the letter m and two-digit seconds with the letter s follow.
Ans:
6h17
